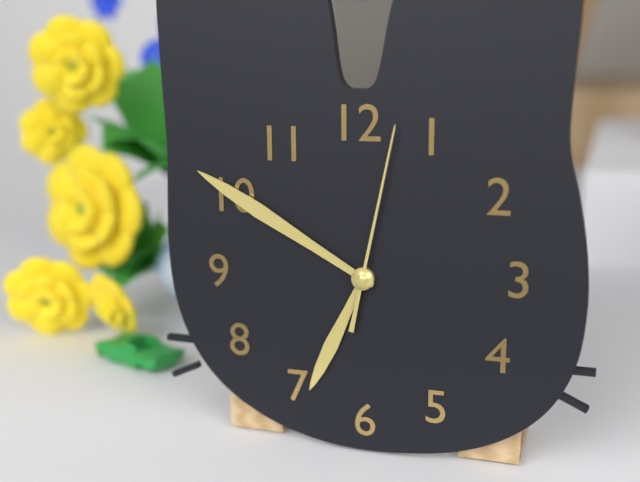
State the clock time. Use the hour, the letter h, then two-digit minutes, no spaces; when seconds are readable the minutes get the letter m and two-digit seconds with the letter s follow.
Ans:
6h50m02s
